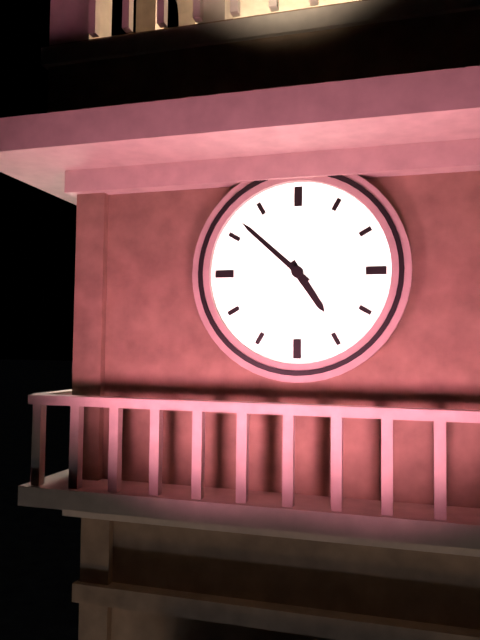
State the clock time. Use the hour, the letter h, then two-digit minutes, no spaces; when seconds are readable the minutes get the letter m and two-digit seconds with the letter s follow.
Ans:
4h52
